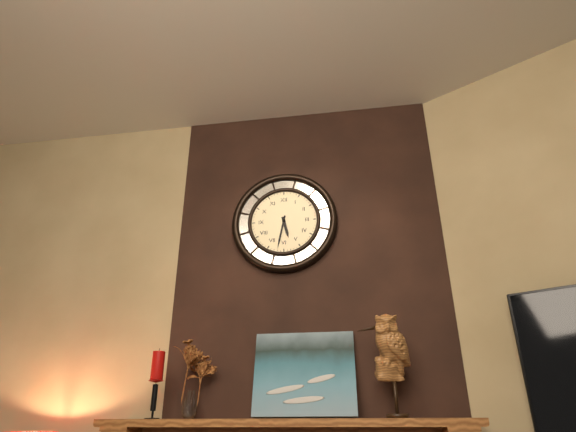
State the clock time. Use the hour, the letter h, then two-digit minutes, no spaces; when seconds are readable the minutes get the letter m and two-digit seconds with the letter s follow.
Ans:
5h32
